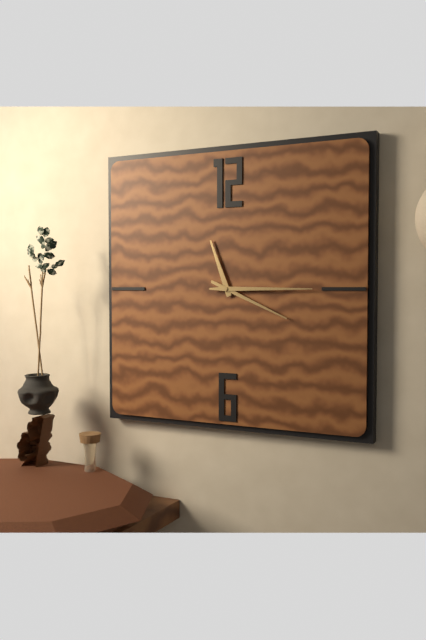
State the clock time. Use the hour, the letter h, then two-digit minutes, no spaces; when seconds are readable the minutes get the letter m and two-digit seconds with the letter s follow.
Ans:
11h19m15s
